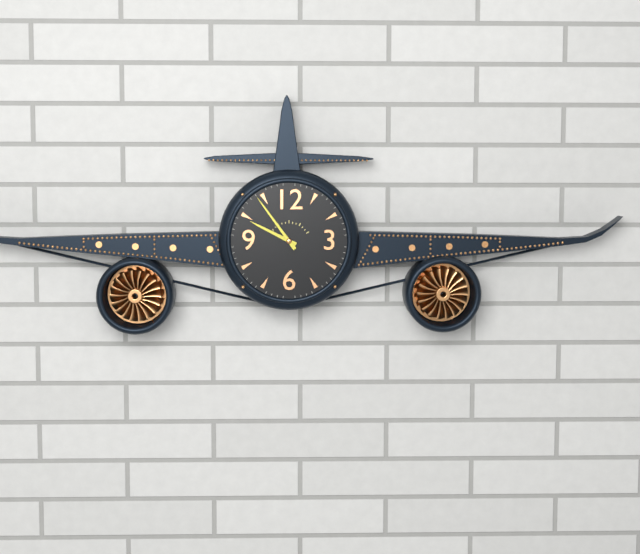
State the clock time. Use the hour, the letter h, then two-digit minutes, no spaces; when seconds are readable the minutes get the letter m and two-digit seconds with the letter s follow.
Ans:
9h54
